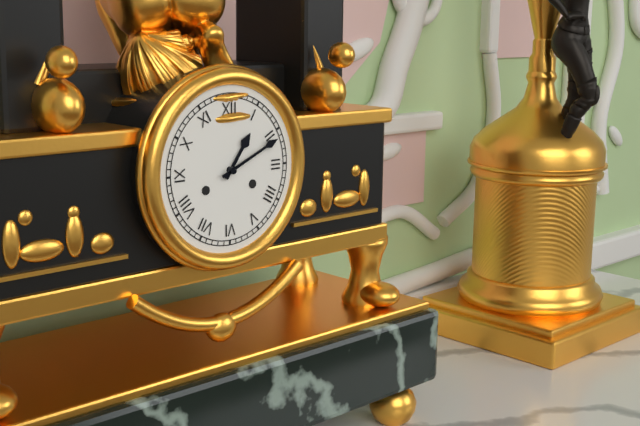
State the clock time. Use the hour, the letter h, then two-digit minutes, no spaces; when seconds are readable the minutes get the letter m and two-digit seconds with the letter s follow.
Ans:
1h11
